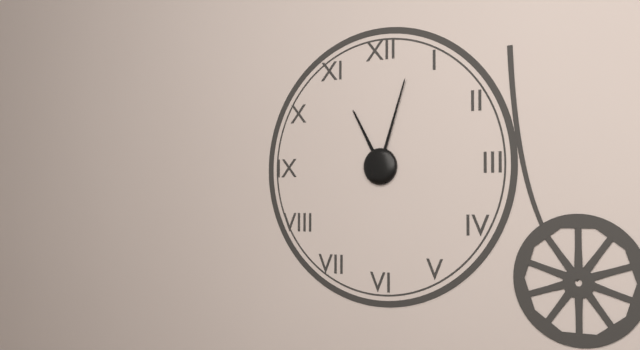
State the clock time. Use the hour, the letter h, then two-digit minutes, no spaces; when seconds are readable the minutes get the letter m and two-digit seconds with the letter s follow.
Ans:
11h03
